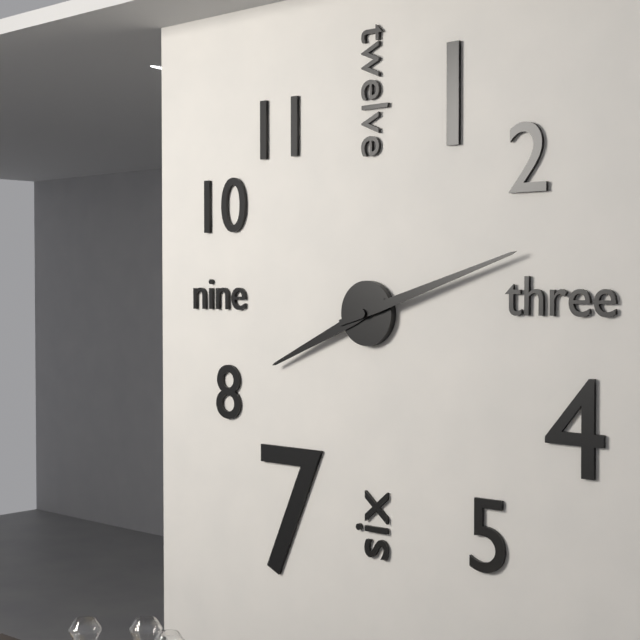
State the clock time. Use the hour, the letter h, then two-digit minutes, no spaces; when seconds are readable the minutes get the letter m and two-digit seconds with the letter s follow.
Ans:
8h12
